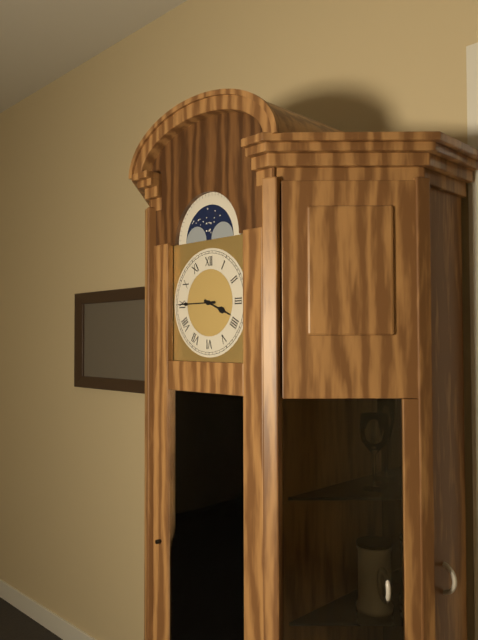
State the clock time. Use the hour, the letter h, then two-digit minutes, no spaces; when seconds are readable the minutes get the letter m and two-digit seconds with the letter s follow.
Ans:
3h45
